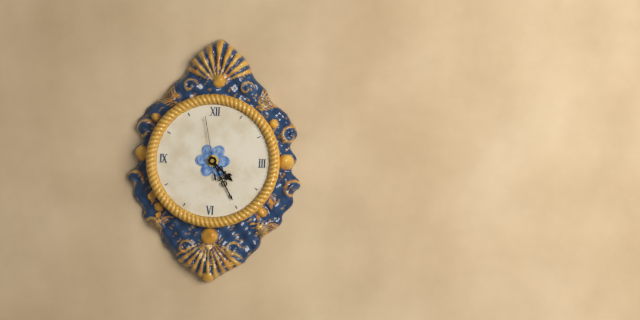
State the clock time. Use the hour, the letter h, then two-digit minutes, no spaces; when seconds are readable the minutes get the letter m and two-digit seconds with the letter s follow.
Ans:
4h25m58s
